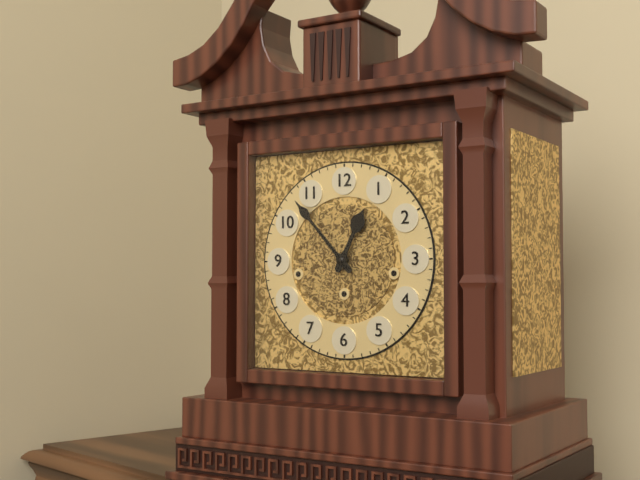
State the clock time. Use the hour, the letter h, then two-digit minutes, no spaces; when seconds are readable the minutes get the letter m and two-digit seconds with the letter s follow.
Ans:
12h53
